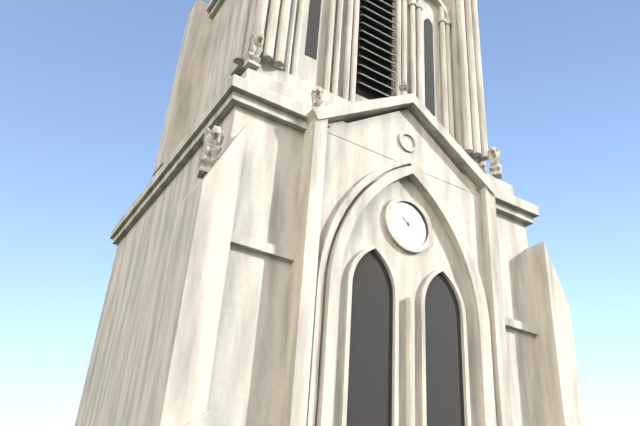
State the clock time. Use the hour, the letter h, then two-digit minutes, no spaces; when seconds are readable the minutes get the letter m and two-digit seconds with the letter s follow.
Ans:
10h28
